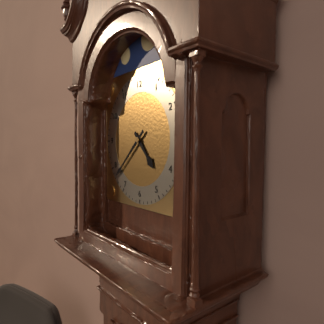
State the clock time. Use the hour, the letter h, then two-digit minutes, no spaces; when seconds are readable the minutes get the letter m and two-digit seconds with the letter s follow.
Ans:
4h38
